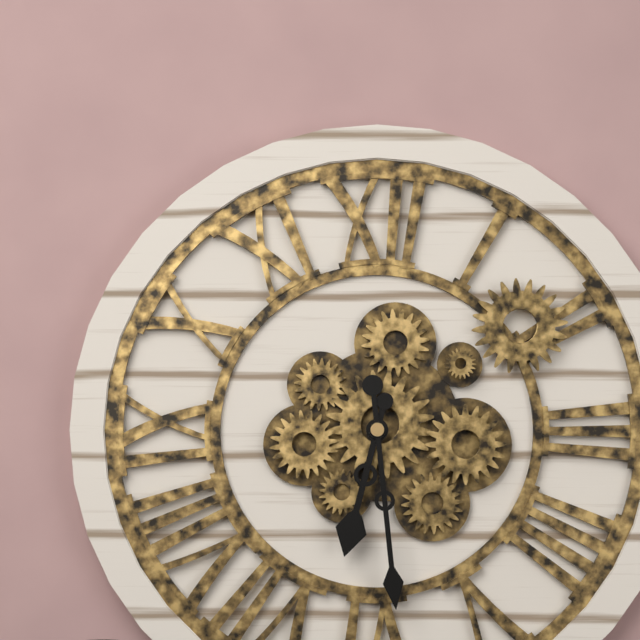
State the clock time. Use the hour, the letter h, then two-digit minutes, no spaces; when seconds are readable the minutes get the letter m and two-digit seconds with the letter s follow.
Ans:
6h29
